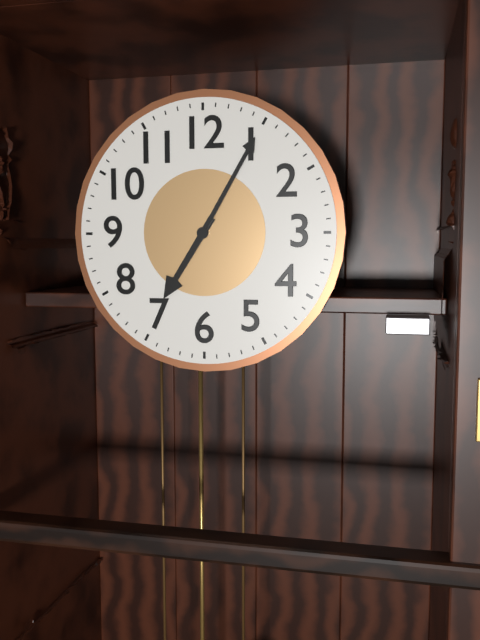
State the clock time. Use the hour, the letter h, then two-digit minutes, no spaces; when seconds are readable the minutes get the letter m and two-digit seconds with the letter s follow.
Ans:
7h05
